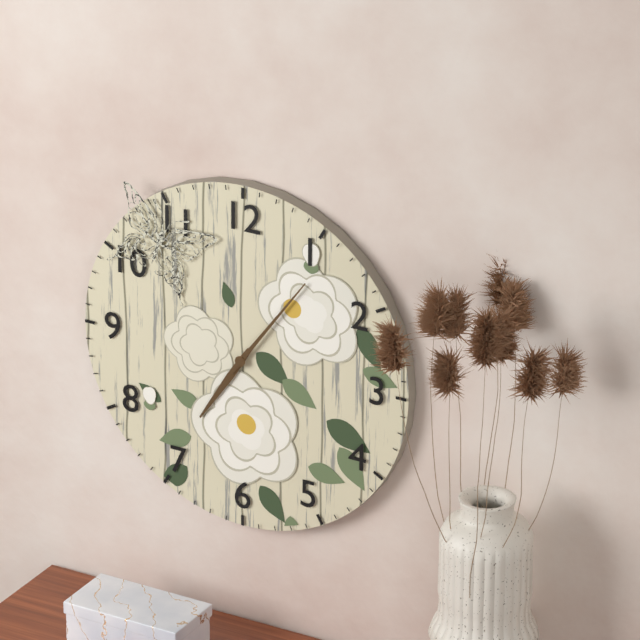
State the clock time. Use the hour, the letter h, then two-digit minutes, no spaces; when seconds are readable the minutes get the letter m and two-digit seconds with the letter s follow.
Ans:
7h06
